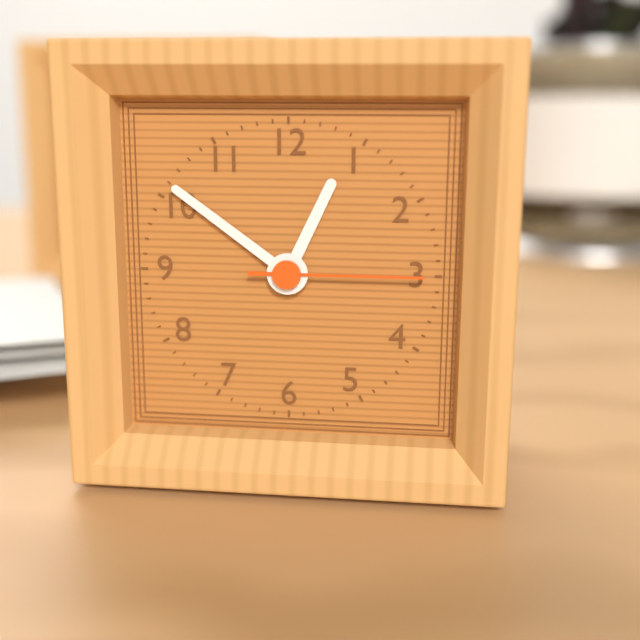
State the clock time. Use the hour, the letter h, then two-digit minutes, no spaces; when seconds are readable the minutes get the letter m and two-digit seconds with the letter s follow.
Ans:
12h51m15s
